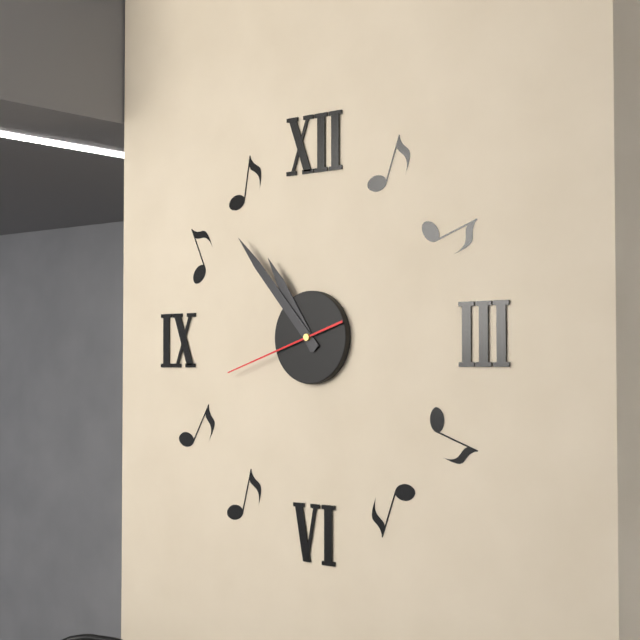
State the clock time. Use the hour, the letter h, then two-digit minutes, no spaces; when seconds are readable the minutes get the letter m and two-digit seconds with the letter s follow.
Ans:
10h53m42s
